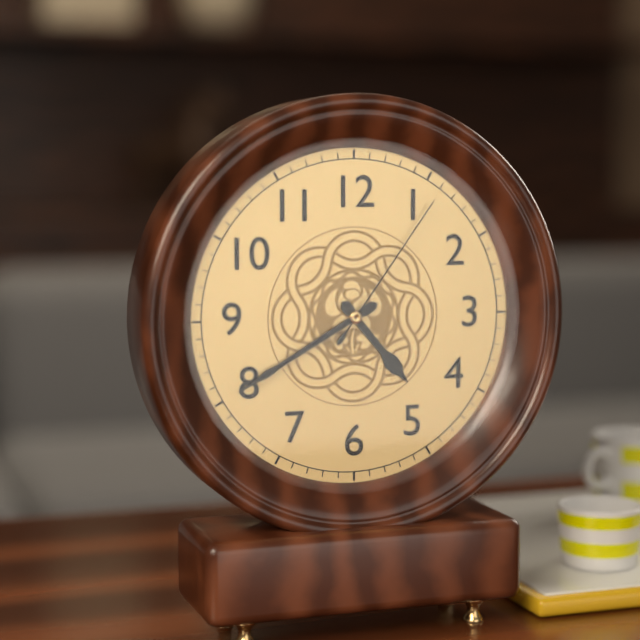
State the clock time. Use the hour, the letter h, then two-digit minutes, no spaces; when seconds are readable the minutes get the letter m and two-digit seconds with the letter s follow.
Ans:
4h40m06s
